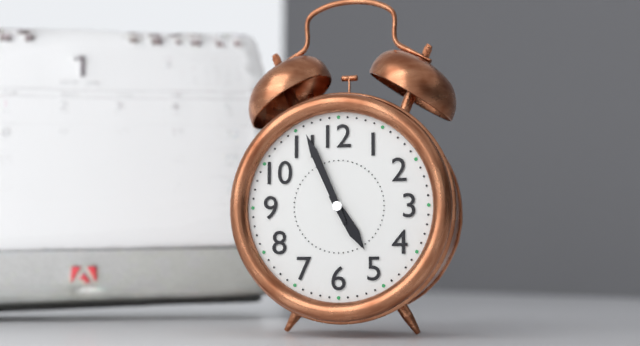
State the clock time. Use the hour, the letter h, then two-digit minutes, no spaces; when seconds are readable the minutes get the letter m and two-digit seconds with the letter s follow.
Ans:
4h56
